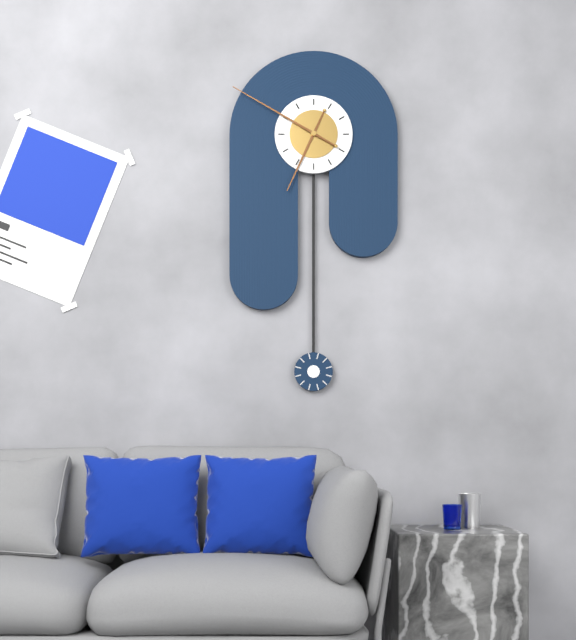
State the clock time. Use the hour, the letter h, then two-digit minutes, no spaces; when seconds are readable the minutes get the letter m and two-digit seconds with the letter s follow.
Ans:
6h50
